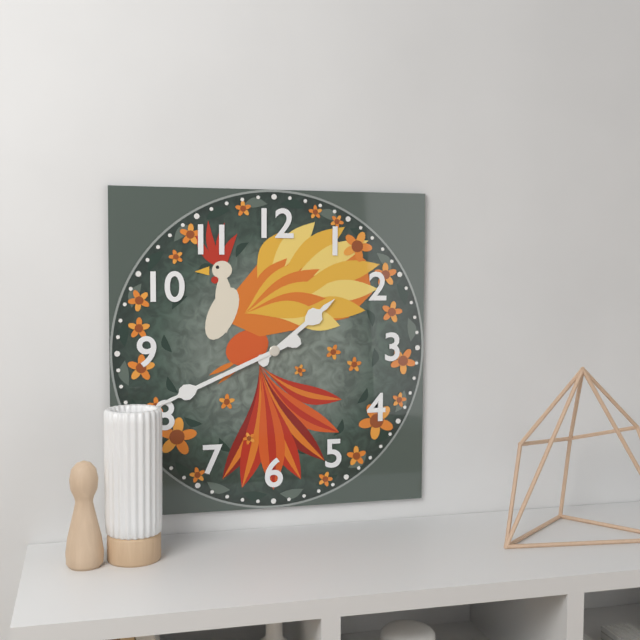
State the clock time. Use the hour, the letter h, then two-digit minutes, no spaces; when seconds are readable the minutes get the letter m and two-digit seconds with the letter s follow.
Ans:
1h41
